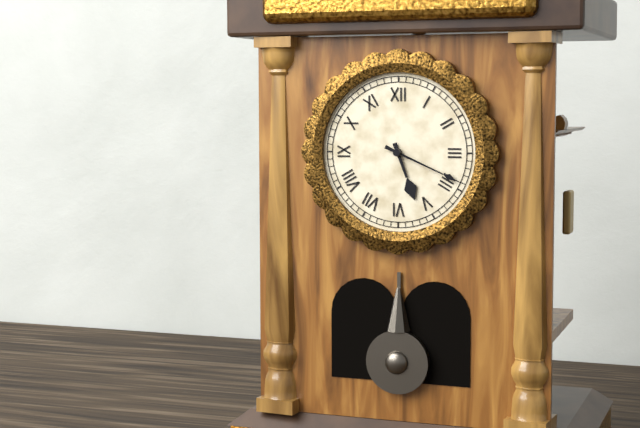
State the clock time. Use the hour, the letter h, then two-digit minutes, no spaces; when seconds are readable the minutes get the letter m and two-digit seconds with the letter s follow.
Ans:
5h19
